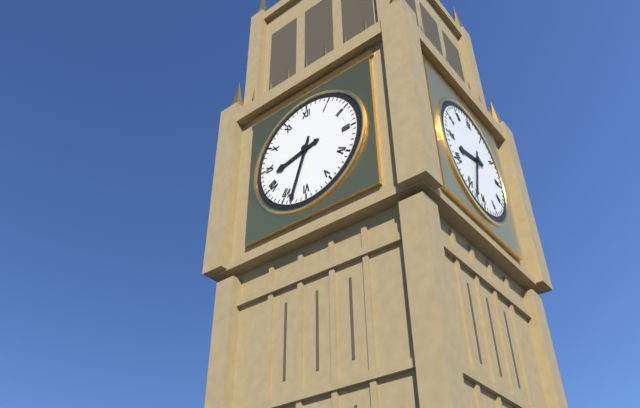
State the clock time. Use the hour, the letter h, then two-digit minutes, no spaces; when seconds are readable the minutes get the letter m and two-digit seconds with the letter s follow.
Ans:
8h33
